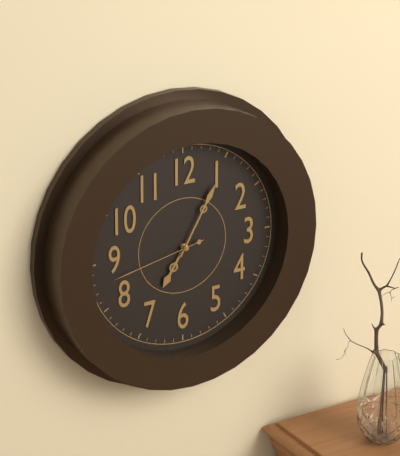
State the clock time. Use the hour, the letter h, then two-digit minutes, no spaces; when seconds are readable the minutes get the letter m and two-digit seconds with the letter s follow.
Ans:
7h05m43s
